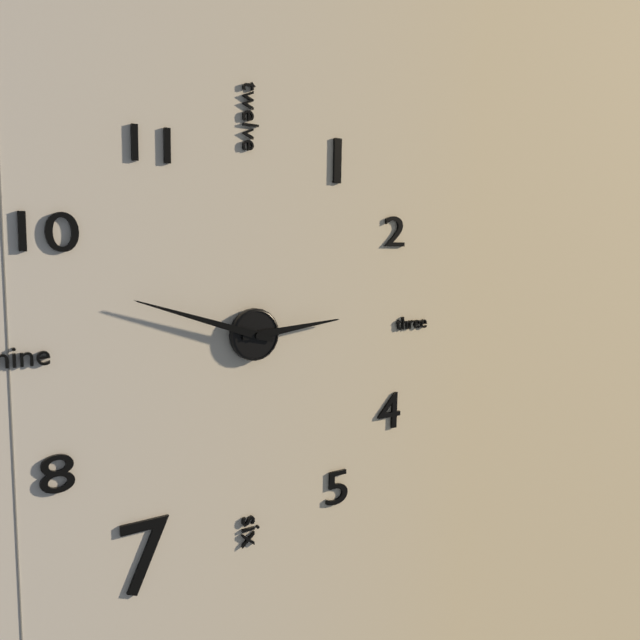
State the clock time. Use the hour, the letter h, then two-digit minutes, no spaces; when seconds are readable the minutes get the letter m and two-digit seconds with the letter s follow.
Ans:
2h48
